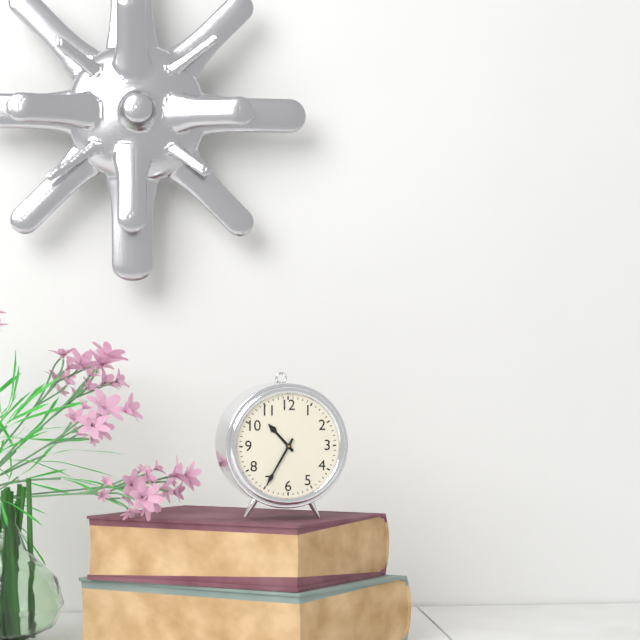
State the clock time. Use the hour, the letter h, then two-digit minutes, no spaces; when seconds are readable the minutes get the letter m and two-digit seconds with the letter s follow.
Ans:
10h35
